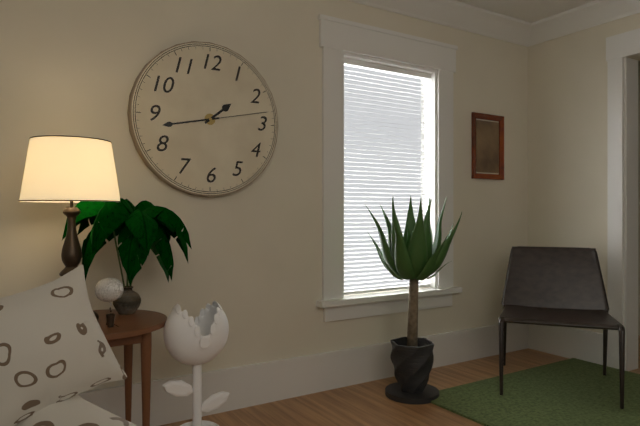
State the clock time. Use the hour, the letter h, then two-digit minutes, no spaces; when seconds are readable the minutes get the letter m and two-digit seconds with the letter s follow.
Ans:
1h43m13s
